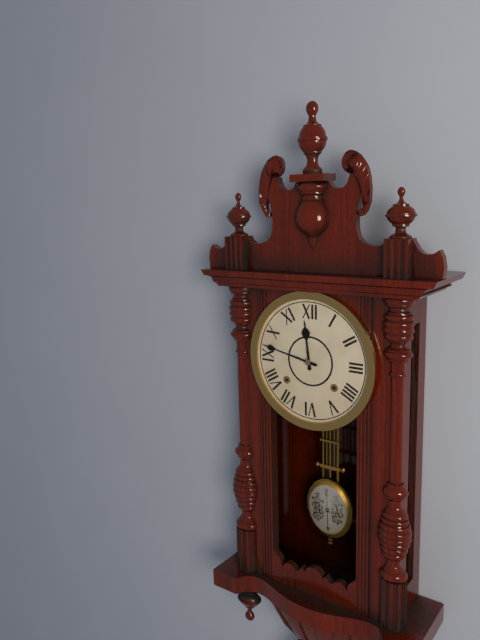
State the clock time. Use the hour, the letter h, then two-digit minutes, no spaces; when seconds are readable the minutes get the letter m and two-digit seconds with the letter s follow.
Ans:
11h47
